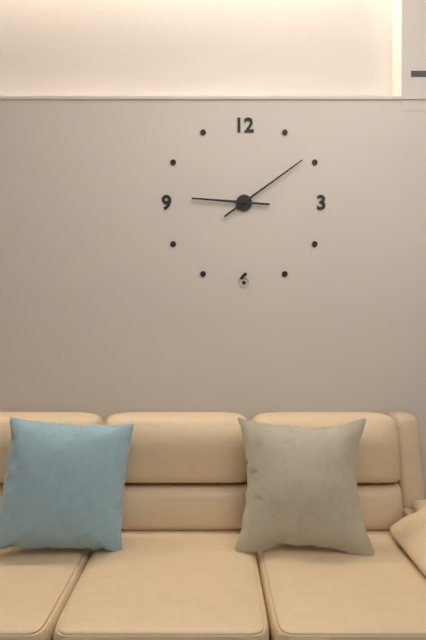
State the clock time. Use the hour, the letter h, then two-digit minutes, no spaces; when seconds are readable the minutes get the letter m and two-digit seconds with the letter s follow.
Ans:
9h09
